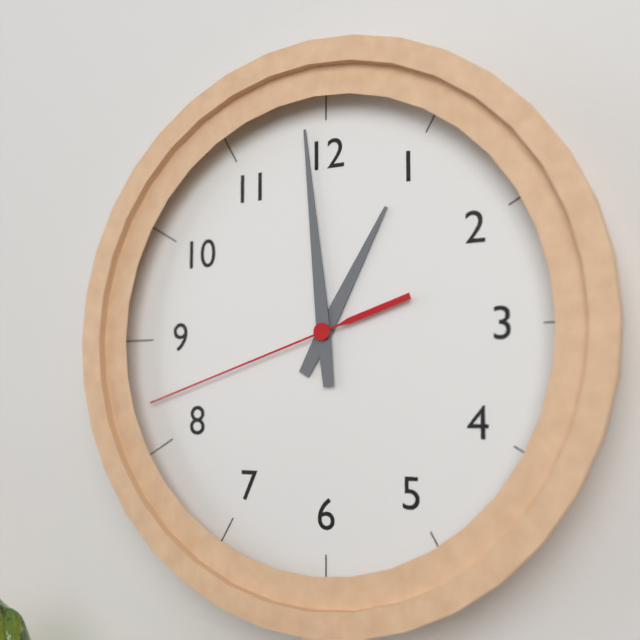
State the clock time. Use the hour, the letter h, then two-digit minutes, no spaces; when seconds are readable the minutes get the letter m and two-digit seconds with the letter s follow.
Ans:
12h59m42s
